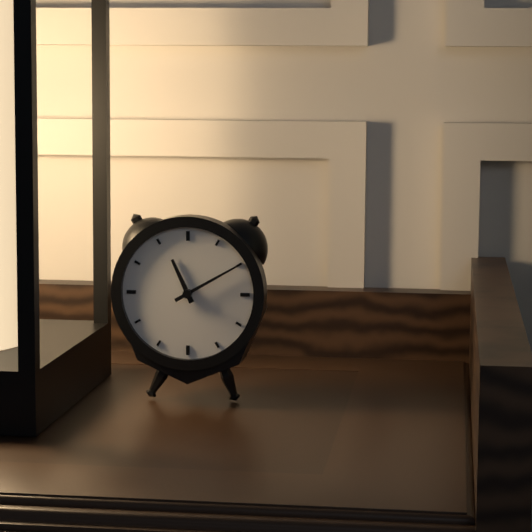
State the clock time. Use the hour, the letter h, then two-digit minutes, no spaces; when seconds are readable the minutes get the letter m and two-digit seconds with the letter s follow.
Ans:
11h10
